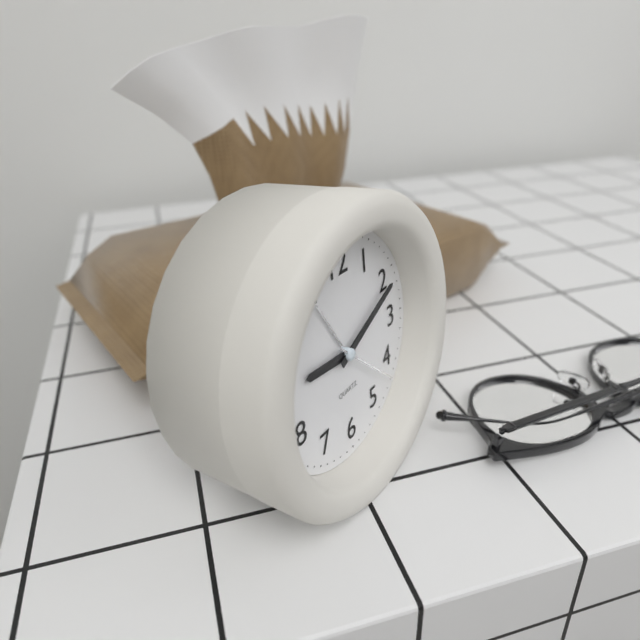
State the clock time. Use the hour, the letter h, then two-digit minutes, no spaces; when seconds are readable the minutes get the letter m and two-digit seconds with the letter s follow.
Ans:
9h11m22s
